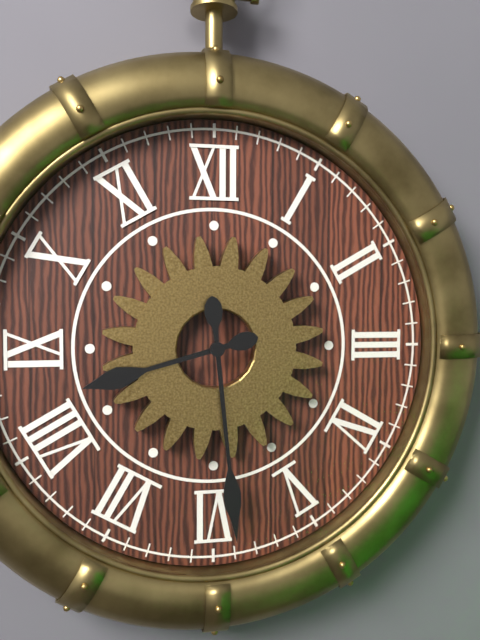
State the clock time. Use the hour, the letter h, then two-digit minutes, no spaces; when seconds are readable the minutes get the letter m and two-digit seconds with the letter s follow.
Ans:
8h29
